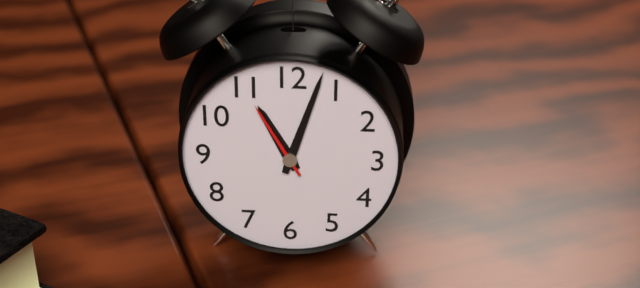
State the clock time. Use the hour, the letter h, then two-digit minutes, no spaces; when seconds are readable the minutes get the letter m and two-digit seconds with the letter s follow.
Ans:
11h03m55s
